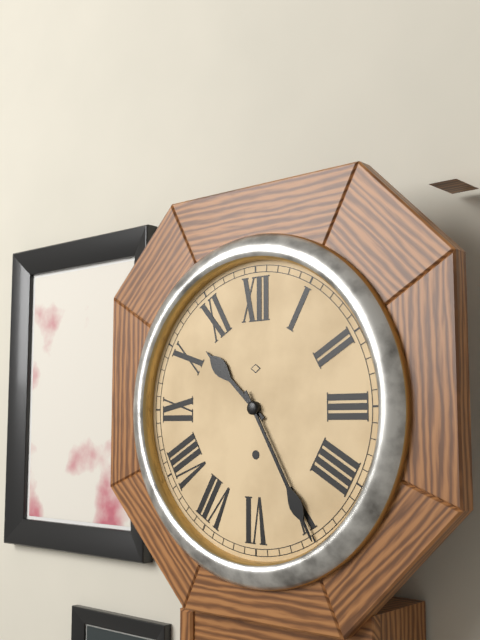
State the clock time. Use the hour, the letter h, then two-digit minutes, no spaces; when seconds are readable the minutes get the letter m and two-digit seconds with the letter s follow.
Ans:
10h25
